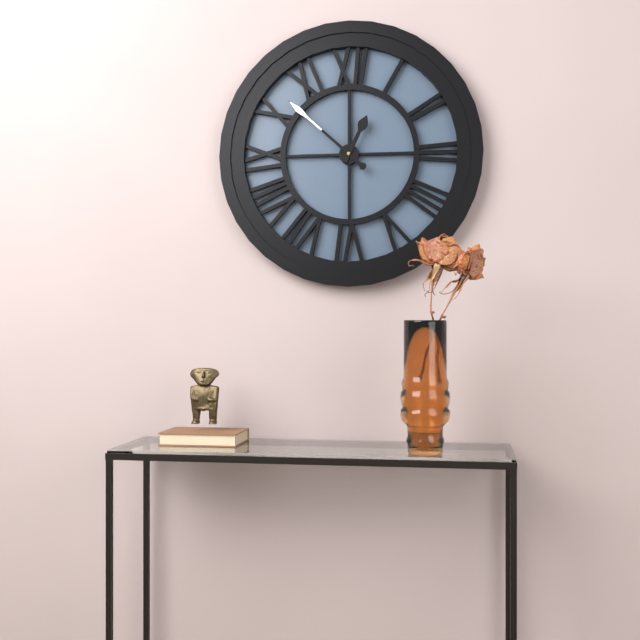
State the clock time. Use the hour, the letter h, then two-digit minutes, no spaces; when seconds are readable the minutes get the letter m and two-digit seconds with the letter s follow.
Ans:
12h52
